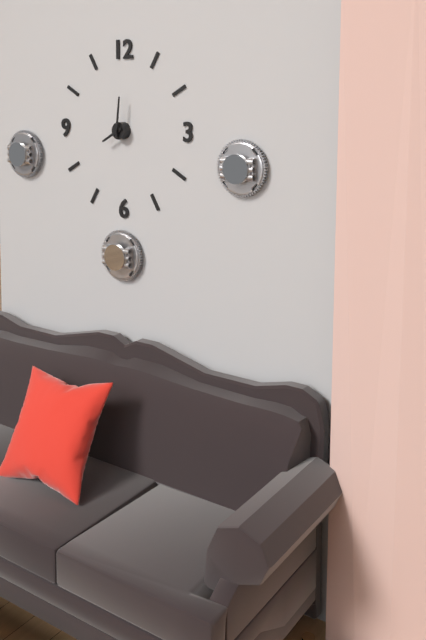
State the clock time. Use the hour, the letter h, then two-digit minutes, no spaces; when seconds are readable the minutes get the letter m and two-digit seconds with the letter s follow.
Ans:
8h01
